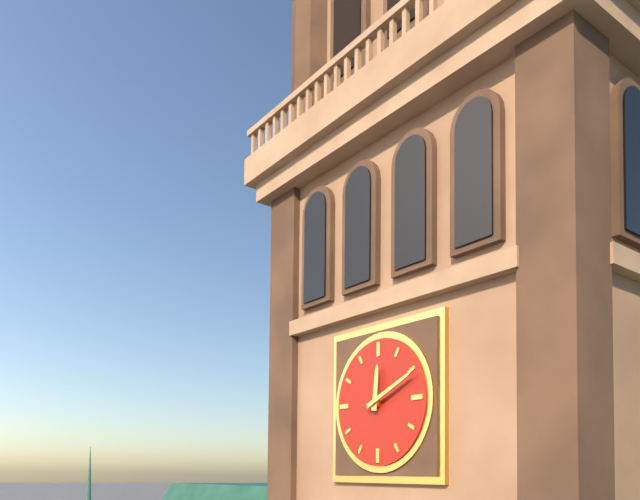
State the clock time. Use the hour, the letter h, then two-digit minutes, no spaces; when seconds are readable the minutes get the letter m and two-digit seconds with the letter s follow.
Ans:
12h11
